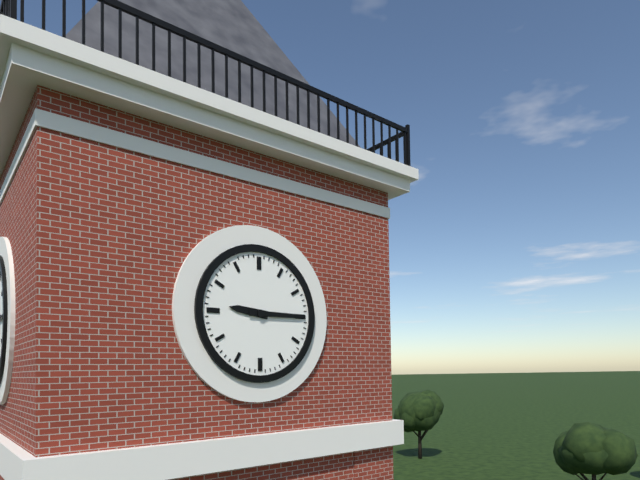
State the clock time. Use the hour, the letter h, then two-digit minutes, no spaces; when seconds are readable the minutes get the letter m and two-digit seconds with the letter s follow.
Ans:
9h15
